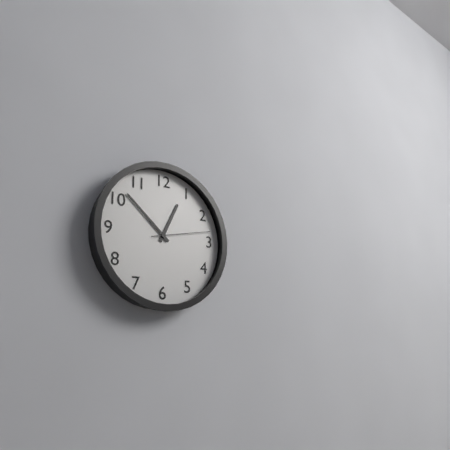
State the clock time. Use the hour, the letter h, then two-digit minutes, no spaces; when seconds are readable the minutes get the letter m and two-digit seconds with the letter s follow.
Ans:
12h52m13s
